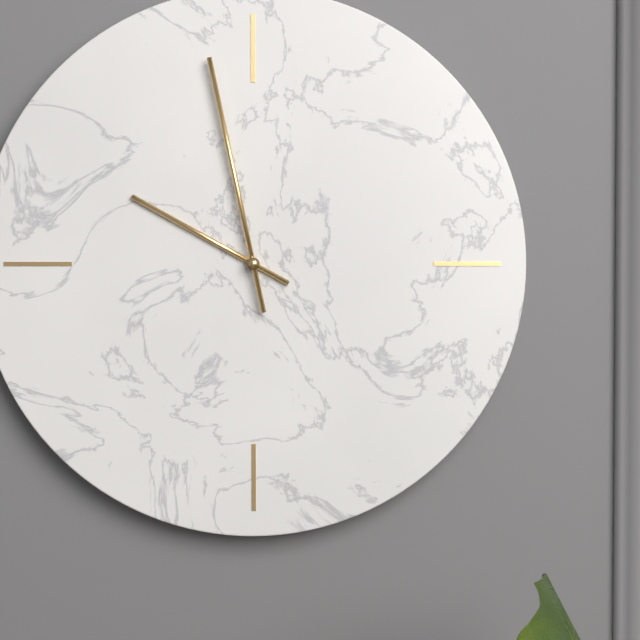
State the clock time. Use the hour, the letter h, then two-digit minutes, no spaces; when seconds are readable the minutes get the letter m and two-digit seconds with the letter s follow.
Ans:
9h58
